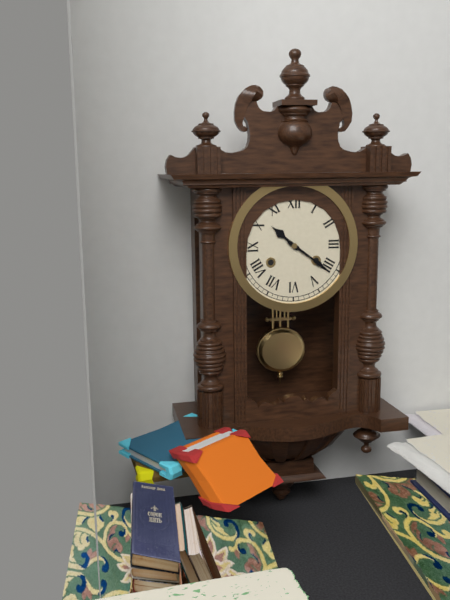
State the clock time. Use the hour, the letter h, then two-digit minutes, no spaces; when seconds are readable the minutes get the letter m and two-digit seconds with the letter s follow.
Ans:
10h21
